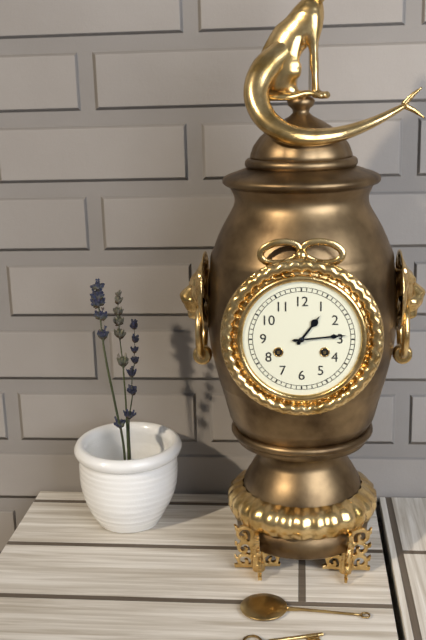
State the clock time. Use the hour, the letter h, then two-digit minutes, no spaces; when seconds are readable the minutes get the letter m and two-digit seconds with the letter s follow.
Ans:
1h14
